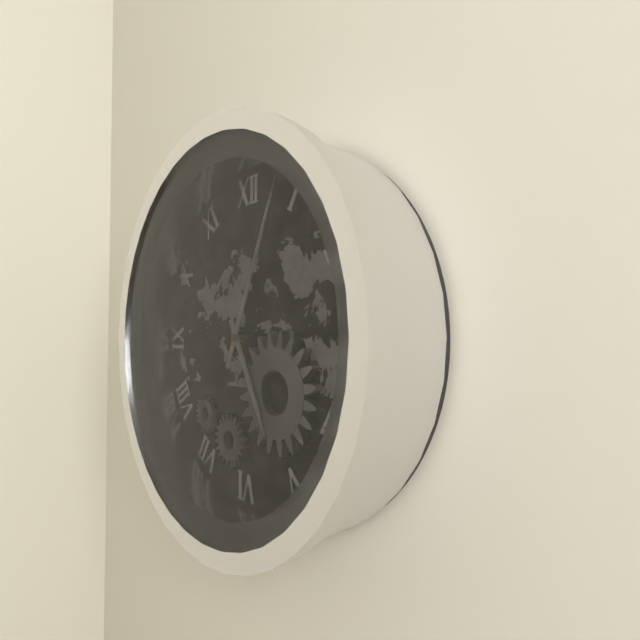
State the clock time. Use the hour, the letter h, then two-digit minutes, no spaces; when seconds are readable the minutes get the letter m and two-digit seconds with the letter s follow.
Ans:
5h04
